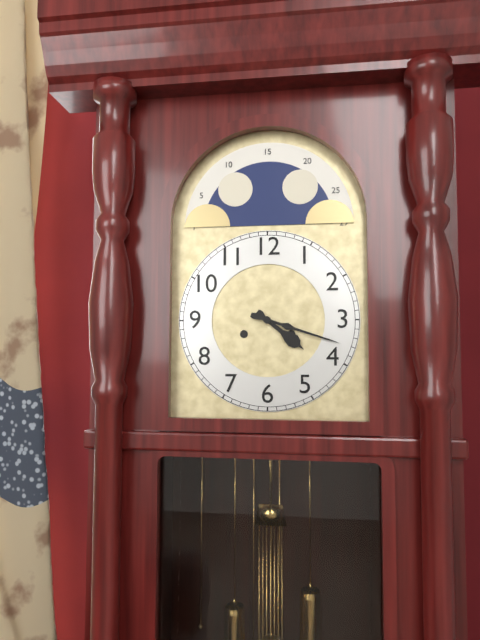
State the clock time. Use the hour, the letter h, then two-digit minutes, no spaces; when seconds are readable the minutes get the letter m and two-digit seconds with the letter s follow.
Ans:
4h18
